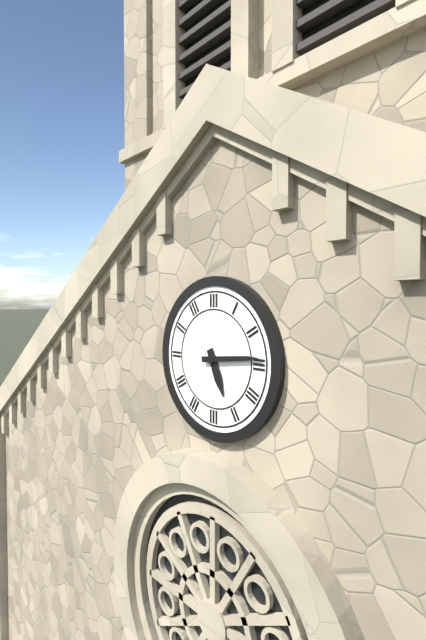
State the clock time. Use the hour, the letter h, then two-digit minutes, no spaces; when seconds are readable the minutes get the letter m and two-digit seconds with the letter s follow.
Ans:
5h14
